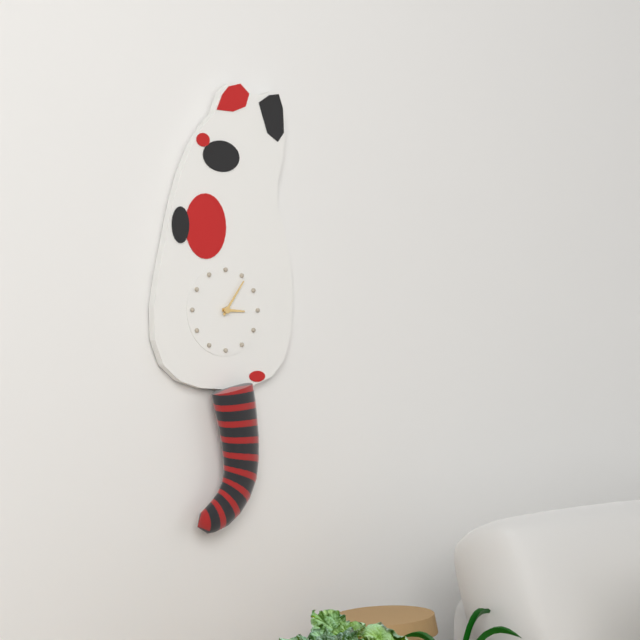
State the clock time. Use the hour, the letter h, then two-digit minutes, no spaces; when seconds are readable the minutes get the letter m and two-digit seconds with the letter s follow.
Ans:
3h06
